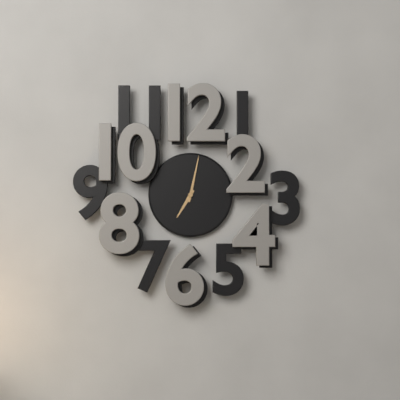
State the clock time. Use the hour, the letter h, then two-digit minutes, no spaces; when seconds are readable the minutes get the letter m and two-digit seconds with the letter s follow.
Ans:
7h02
